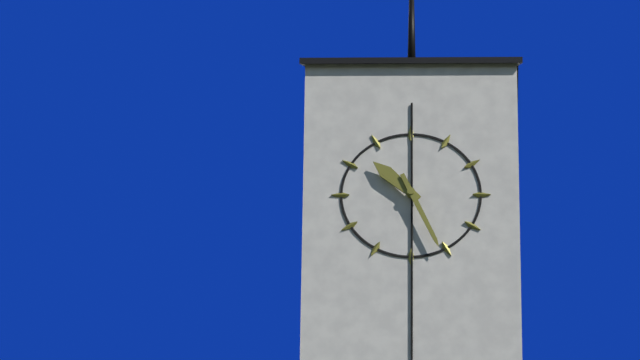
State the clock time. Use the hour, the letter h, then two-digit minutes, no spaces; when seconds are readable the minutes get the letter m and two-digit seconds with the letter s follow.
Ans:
10h26
